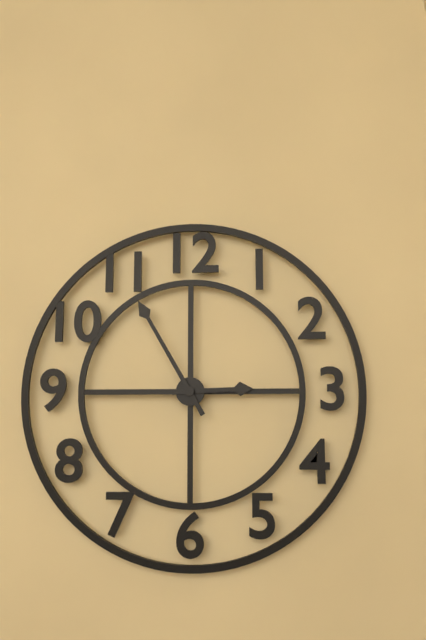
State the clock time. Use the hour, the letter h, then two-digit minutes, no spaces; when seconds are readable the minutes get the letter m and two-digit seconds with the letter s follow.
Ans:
2h55
